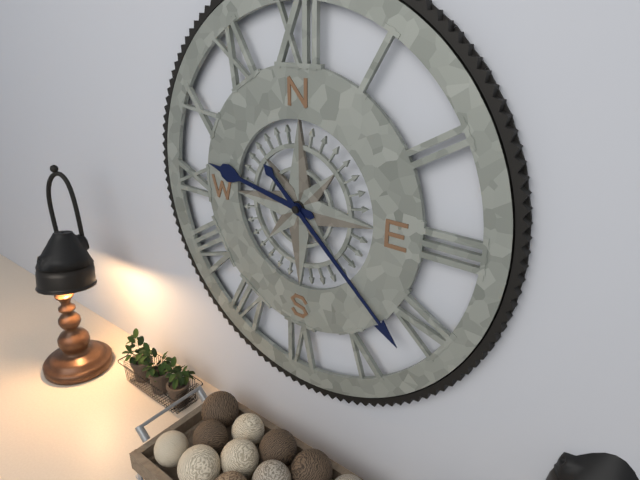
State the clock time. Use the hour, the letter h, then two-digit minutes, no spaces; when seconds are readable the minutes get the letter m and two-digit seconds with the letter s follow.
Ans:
9h22
